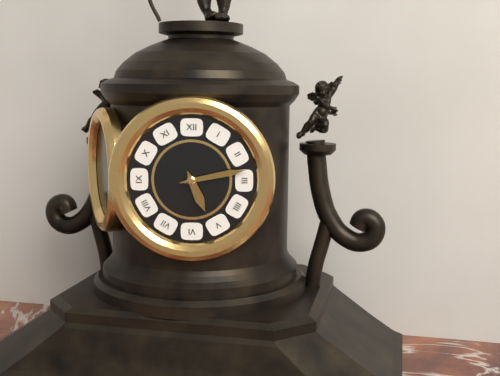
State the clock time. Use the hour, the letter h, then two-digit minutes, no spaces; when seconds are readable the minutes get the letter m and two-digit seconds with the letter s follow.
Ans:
5h13
